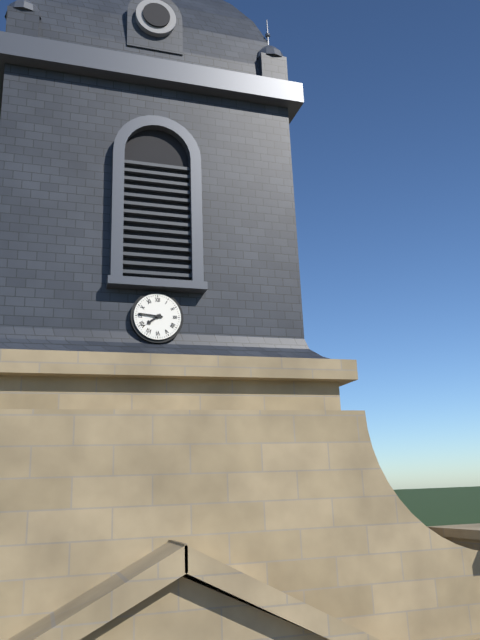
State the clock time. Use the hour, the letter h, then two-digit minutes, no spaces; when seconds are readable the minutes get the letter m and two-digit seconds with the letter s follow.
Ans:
7h46
